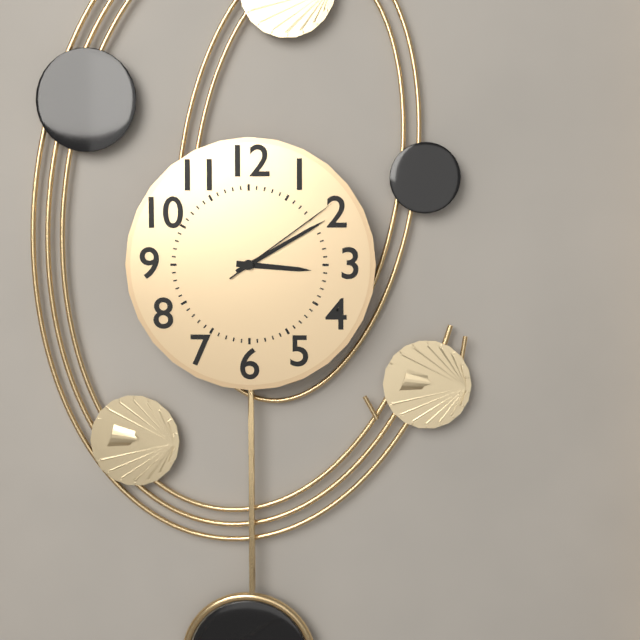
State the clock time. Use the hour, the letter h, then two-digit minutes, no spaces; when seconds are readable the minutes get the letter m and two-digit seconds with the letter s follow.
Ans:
3h10m09s
